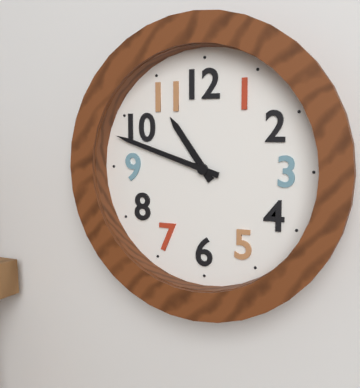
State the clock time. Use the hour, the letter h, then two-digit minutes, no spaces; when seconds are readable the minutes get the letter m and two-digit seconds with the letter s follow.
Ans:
10h48
